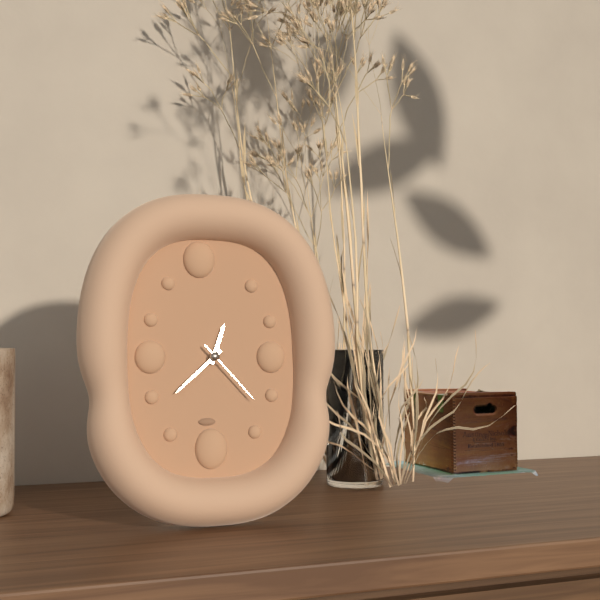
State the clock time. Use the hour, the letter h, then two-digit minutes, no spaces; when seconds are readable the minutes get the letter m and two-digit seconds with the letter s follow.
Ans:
12h38m23s
